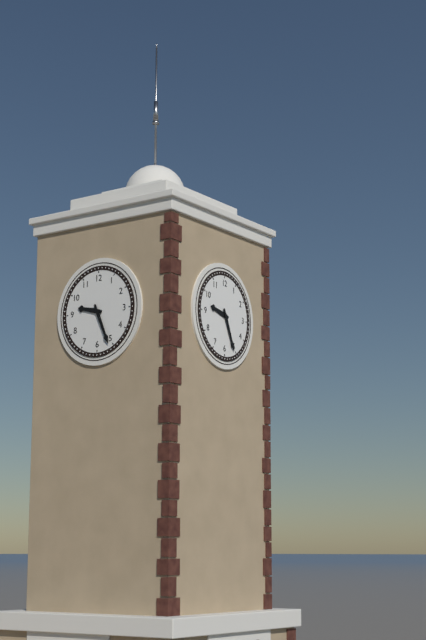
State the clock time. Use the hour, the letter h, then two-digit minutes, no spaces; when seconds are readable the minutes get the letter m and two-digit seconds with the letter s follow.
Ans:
9h26
